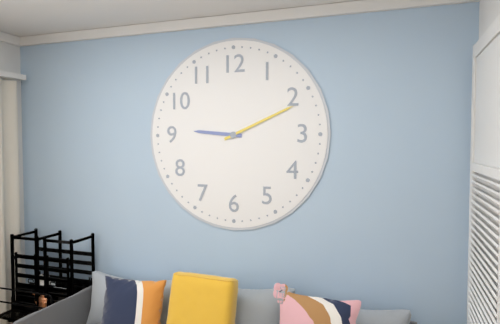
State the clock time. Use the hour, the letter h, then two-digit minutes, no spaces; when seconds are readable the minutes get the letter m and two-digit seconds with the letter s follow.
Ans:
9h11
